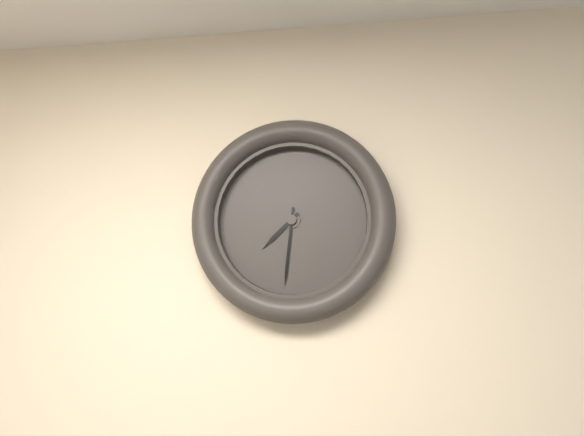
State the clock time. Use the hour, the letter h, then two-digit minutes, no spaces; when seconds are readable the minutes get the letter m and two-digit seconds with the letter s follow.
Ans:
7h31
